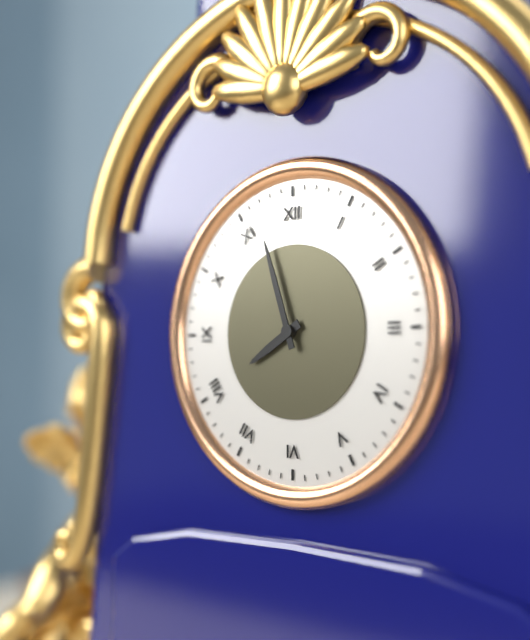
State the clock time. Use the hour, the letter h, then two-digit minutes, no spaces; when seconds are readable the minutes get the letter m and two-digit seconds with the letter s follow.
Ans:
7h57
